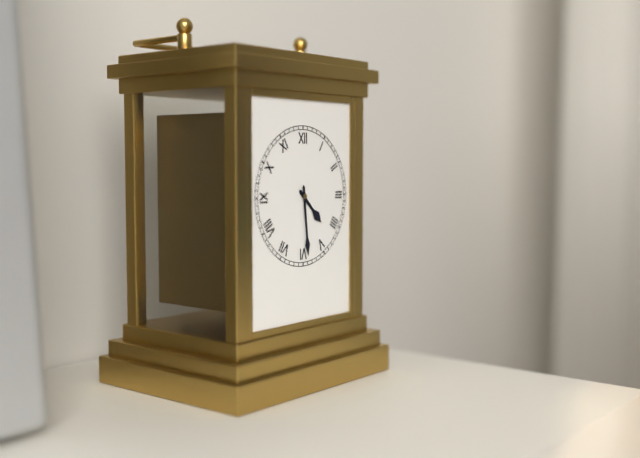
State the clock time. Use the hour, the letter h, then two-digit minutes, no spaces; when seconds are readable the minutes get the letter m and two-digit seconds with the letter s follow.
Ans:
4h29
